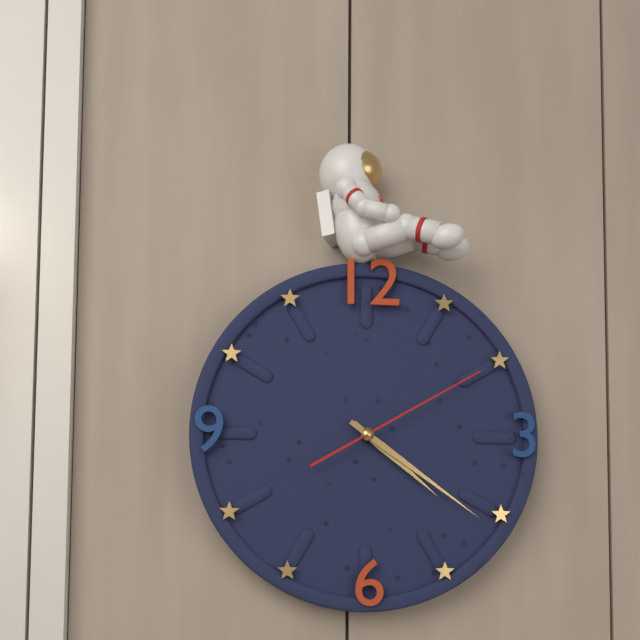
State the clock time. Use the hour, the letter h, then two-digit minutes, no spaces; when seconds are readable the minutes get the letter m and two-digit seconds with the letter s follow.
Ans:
4h21m10s
